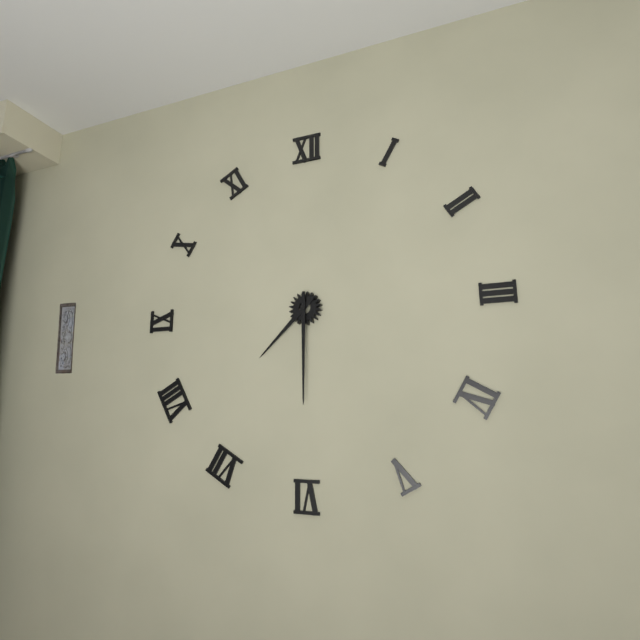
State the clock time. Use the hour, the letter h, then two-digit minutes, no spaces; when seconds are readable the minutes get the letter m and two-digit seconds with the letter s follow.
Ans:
7h30
